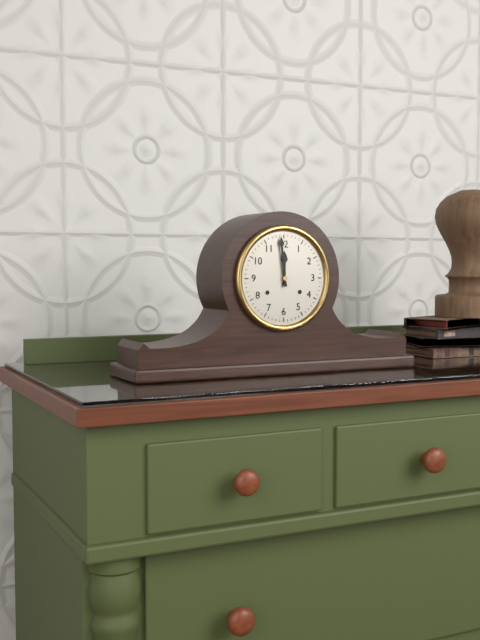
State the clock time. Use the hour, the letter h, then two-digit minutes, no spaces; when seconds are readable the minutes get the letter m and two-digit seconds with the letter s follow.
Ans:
11h59
